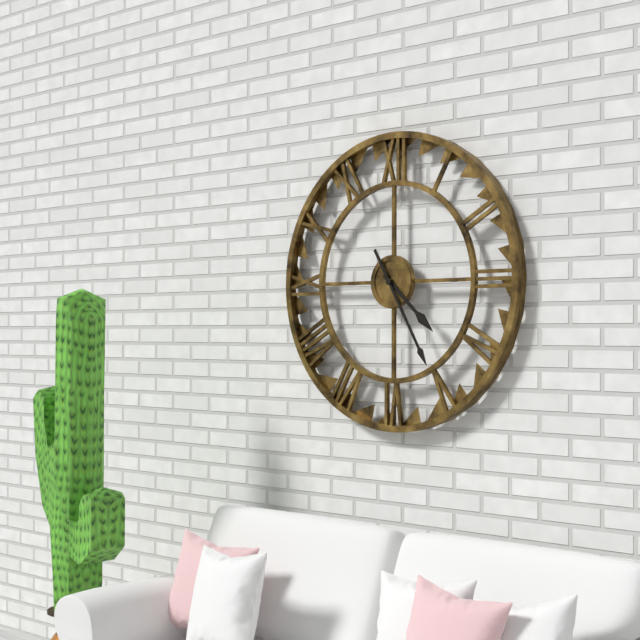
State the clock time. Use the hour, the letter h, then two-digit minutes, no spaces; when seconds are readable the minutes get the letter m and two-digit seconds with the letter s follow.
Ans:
4h25
